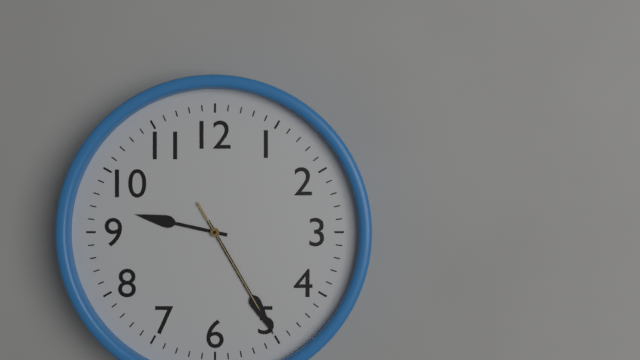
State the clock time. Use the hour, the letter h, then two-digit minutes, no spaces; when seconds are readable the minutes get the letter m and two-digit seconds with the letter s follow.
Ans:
9h25m25s
